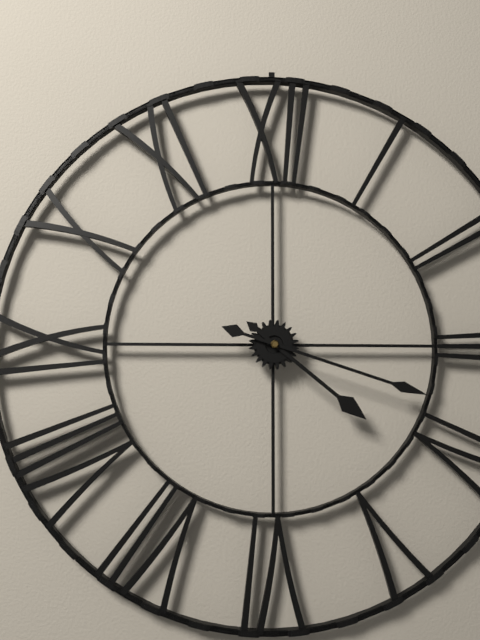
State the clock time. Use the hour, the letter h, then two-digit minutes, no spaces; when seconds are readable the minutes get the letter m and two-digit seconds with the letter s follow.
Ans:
4h18
